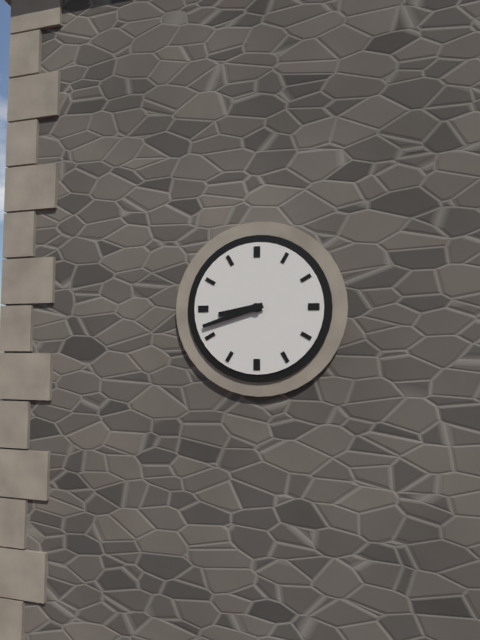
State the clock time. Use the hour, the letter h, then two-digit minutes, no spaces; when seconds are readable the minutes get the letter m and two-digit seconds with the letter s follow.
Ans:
8h42
